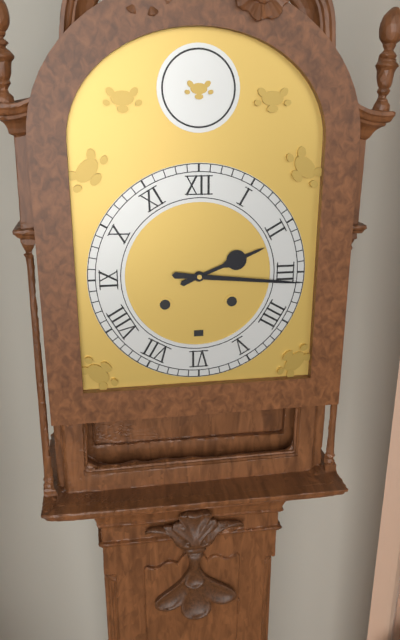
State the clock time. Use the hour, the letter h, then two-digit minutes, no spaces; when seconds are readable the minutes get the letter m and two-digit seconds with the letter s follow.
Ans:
2h16
